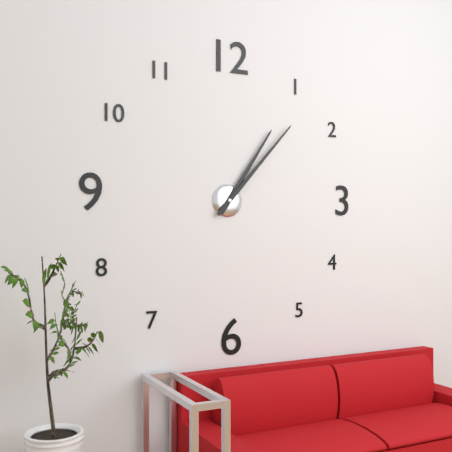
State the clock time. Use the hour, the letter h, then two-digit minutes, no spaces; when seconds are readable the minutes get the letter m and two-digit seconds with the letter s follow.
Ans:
1h07
